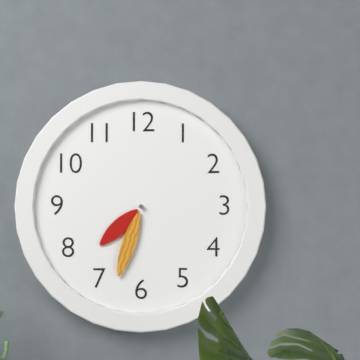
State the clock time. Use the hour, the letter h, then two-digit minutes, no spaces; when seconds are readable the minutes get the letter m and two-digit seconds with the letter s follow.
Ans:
7h33
